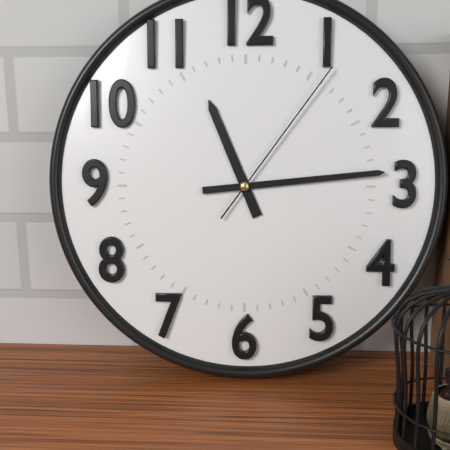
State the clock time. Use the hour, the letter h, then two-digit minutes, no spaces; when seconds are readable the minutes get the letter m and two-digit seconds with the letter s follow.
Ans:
11h14m06s
